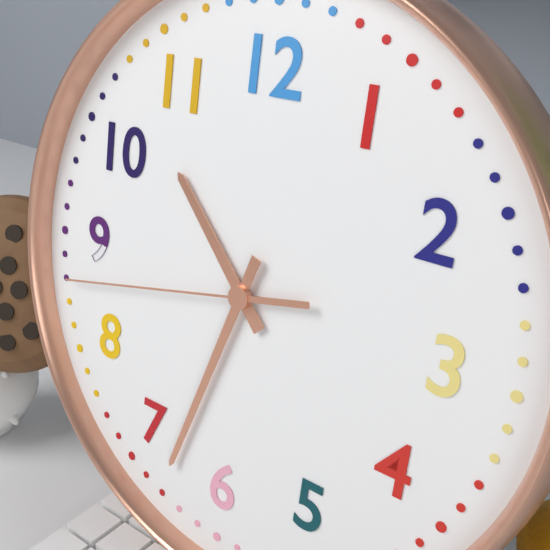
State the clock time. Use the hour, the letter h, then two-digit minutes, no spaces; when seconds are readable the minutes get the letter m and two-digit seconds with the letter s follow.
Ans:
10h33m43s
